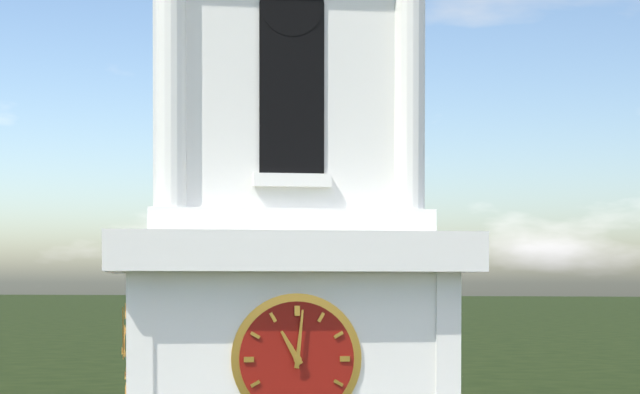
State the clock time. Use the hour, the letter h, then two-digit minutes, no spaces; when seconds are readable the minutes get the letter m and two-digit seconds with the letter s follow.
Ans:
11h01
